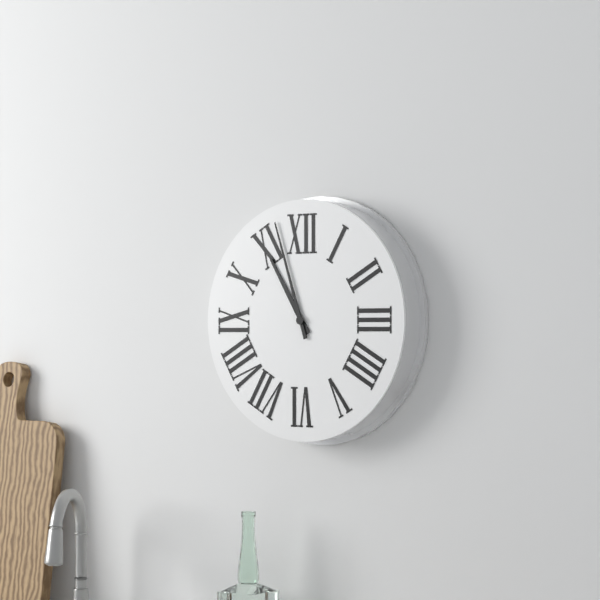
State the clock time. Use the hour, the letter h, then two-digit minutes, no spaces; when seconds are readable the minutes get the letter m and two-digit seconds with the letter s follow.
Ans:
10h57
